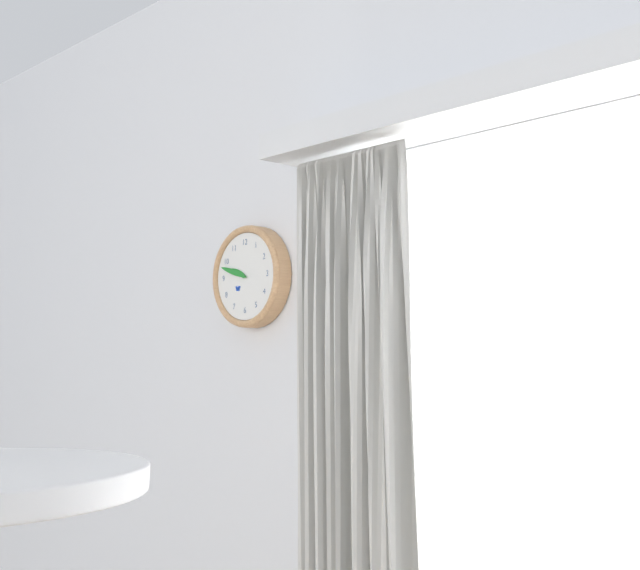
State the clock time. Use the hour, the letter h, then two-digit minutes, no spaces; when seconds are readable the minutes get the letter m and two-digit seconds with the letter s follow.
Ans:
9h48
